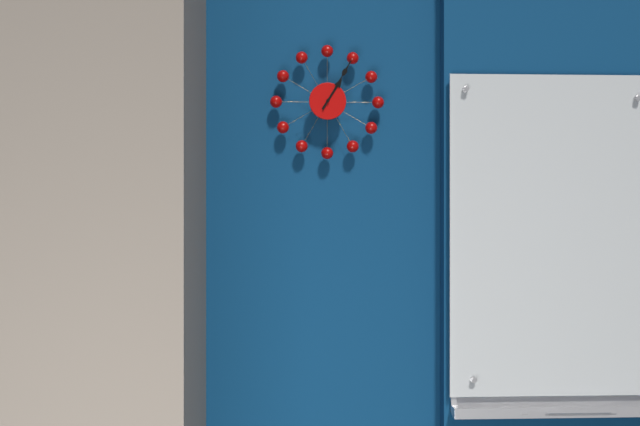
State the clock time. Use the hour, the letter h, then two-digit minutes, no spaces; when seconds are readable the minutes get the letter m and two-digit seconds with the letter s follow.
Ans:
1h05
